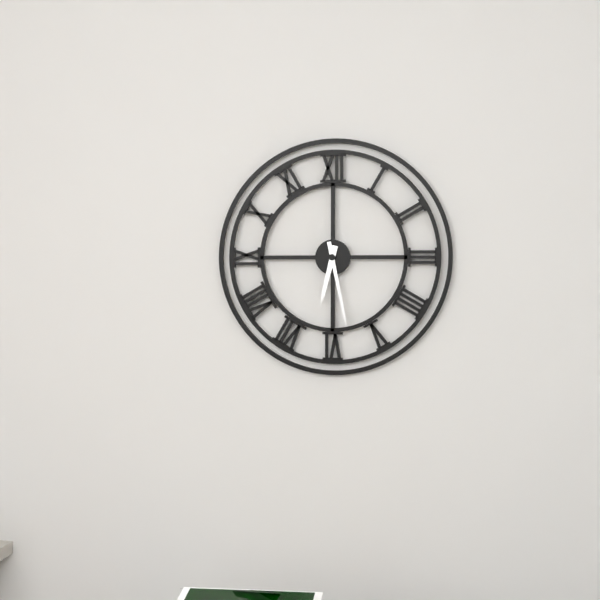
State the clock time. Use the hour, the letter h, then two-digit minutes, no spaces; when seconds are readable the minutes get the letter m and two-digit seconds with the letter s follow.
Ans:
6h28
